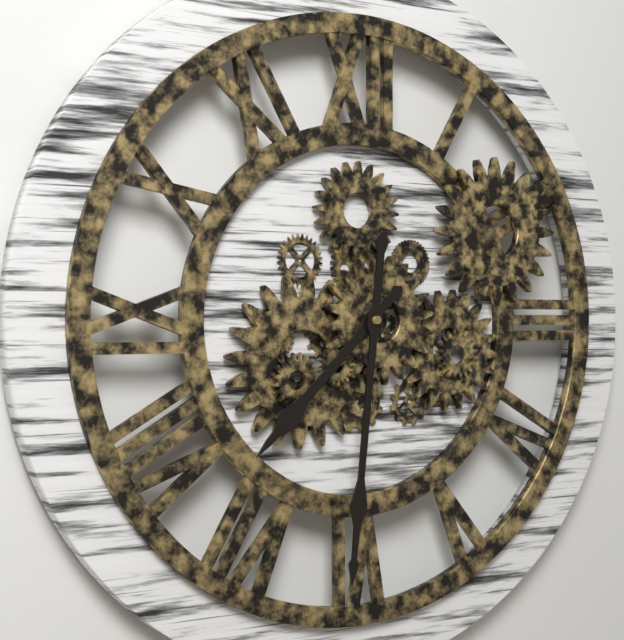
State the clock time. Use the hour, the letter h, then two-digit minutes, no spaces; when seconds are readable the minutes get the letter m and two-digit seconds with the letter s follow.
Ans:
7h31
